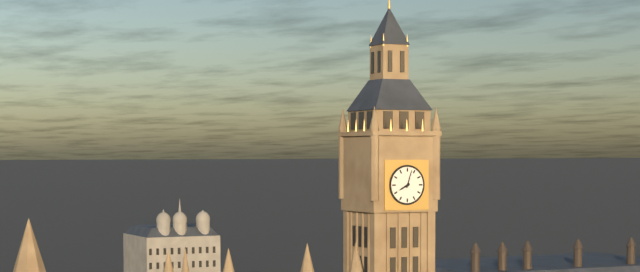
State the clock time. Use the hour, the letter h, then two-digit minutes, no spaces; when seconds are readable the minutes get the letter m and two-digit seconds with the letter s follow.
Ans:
8h03
